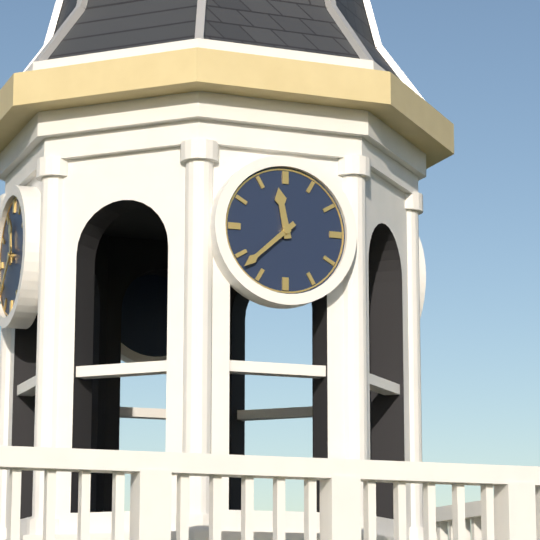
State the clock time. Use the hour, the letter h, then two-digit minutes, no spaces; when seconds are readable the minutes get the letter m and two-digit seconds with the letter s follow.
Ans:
11h38
